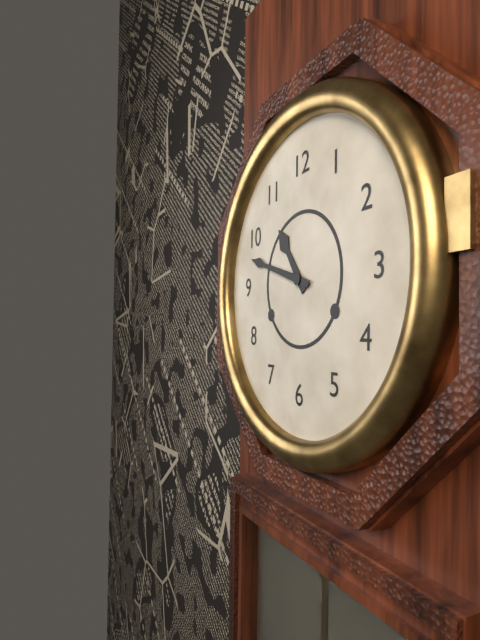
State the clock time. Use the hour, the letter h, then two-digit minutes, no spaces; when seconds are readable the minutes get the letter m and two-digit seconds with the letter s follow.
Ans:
10h48
